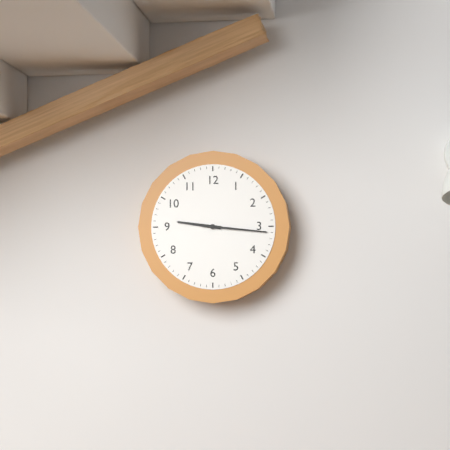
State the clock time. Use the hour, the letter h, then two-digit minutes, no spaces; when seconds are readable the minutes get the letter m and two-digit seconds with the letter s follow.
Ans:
9h16
